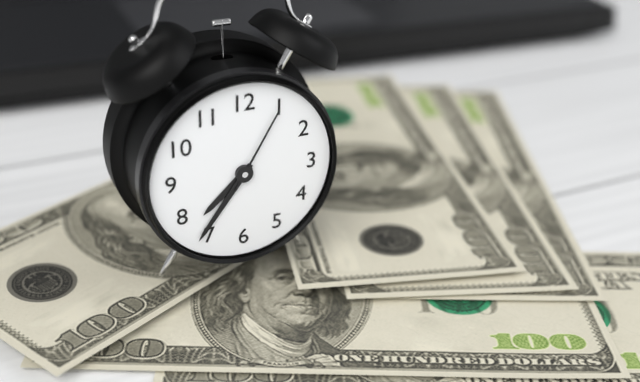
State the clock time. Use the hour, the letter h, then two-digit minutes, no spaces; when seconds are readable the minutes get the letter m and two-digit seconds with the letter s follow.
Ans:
7h36m05s
